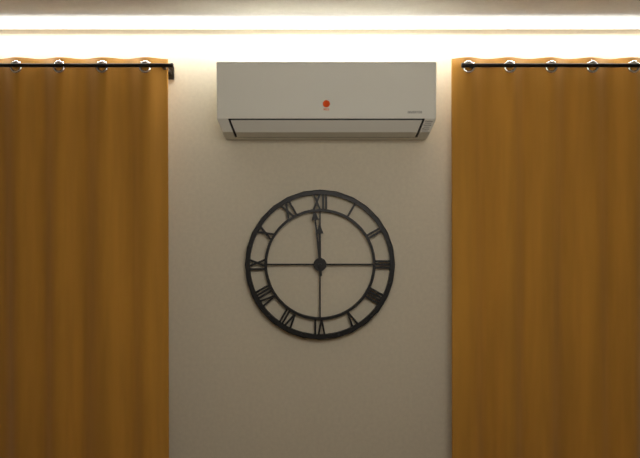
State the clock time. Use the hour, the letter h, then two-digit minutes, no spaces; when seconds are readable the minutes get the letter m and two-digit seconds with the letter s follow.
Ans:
11h59
